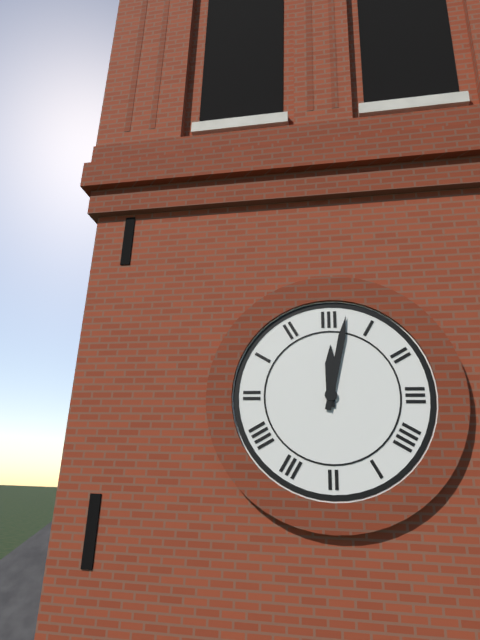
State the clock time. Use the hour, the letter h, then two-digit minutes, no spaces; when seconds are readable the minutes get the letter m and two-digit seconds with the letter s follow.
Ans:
12h02
